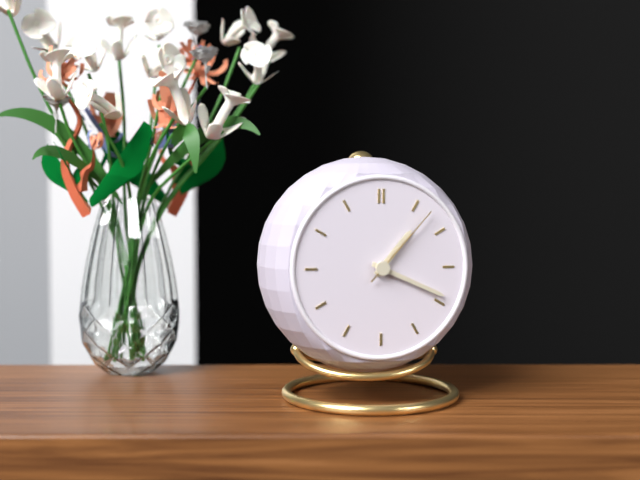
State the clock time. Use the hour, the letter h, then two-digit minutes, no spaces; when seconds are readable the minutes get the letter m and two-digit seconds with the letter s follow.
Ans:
1h19m07s
